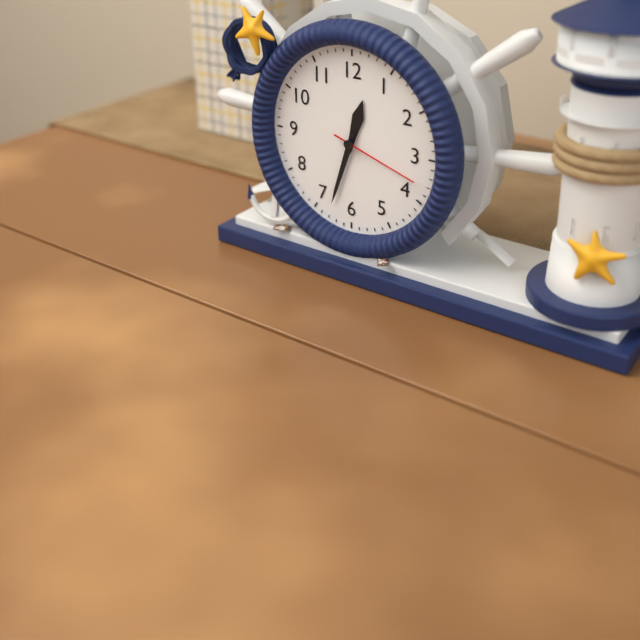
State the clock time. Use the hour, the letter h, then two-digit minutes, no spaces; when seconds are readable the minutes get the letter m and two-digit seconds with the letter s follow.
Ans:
12h33m18s
